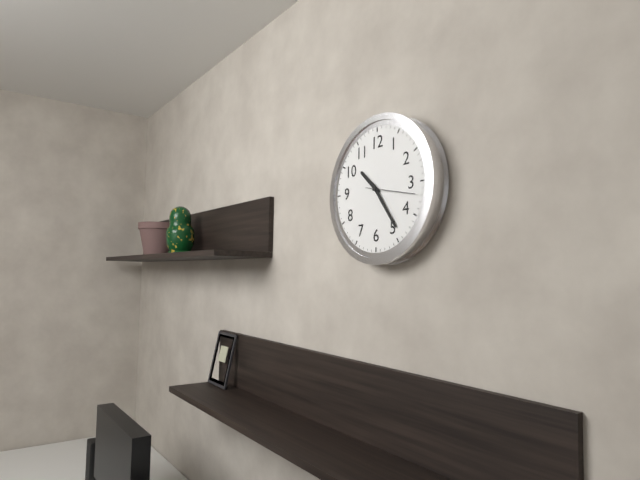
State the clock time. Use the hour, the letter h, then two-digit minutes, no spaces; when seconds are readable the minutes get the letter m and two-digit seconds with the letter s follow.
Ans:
10h24m17s
